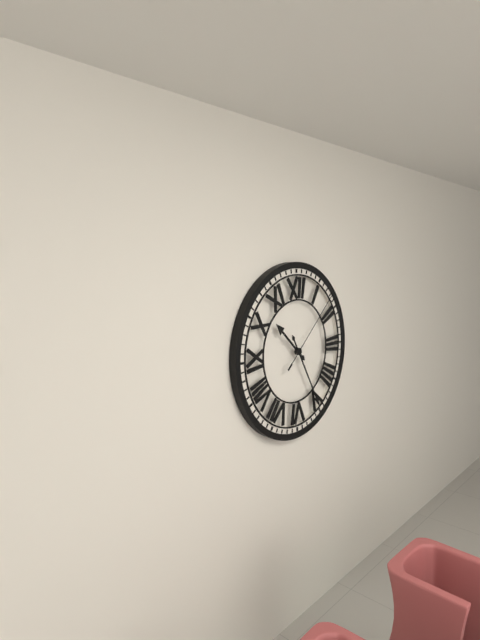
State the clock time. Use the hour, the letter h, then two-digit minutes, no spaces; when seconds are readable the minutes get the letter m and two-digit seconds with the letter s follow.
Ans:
10h25m08s
